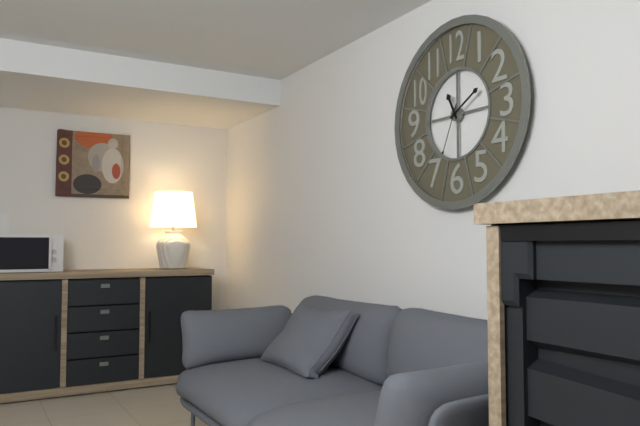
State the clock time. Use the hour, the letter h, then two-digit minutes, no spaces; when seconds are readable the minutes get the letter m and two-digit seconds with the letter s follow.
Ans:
11h10m34s
